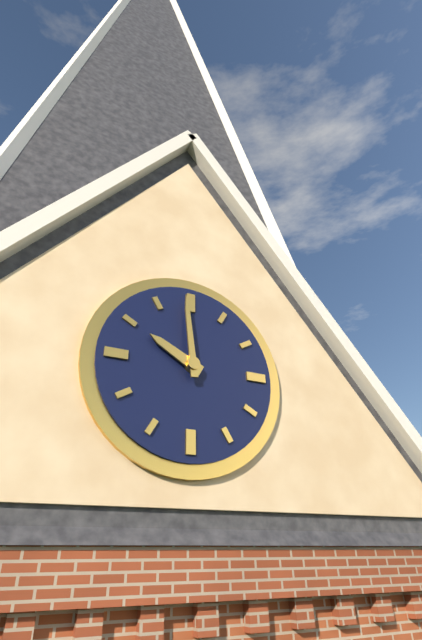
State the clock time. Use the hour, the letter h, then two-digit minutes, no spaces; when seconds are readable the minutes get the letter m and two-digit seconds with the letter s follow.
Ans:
9h59
